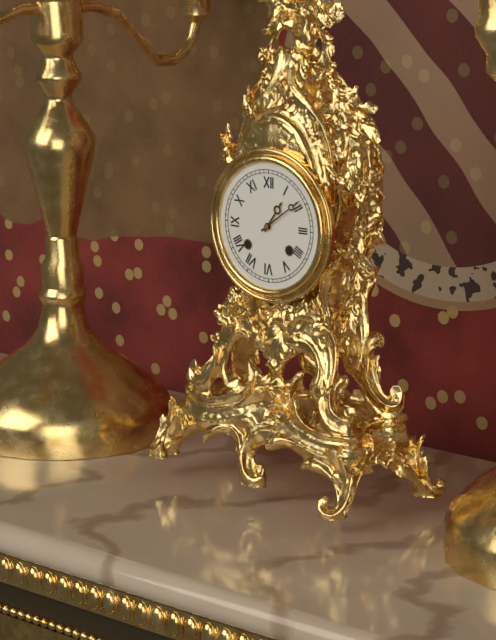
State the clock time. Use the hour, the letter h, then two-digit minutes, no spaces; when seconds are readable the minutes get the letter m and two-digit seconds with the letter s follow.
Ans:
1h09
